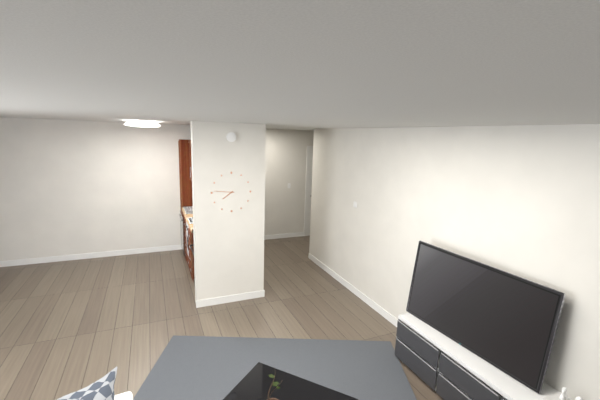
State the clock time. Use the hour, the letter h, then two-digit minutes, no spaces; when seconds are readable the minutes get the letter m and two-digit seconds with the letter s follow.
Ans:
7h46
